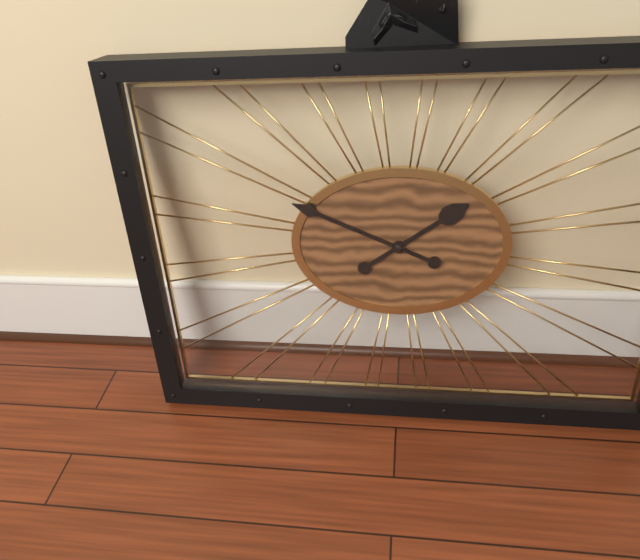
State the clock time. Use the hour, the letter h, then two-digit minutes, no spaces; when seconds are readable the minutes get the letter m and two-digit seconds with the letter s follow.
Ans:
1h49
